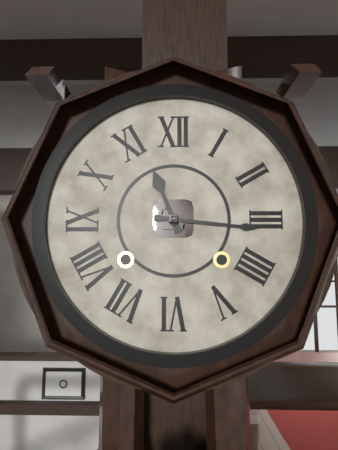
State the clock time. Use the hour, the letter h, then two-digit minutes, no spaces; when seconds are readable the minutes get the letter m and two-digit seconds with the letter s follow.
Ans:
11h16
